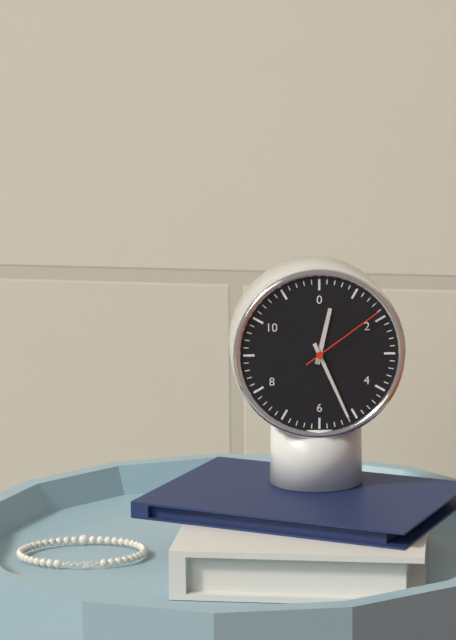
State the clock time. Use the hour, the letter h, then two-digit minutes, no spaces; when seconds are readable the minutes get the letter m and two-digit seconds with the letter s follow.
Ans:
12h26m09s
